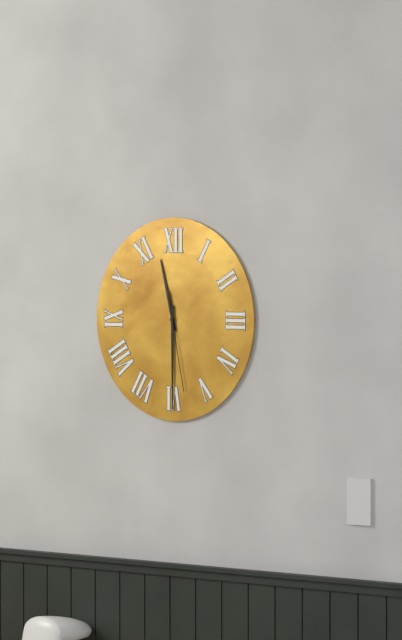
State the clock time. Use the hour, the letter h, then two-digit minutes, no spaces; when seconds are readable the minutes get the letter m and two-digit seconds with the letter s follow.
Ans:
11h30m28s
